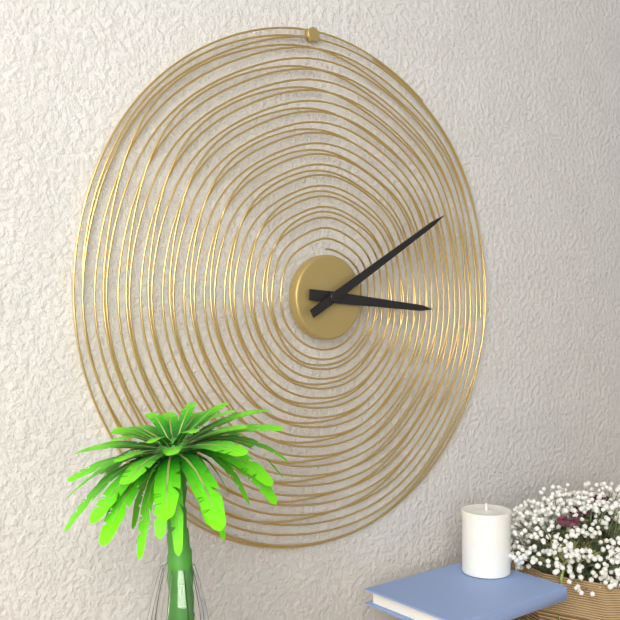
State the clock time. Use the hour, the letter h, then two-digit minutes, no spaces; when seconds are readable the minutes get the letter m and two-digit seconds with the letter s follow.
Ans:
3h10
